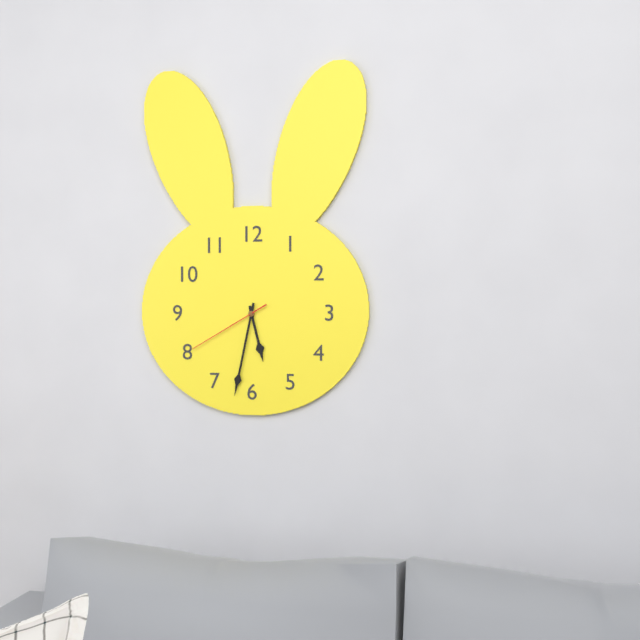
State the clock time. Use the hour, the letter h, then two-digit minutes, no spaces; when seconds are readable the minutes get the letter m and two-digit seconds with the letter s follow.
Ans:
5h32m40s
